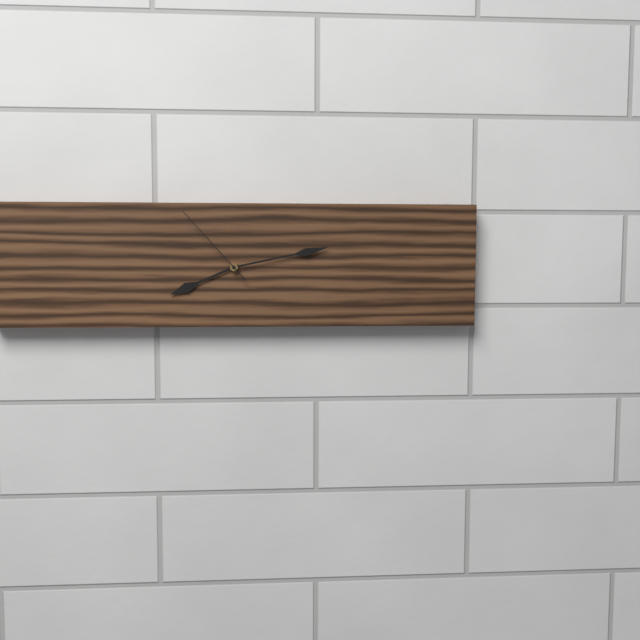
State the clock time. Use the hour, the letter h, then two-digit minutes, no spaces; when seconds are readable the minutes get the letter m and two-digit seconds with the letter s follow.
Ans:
8h13m53s
